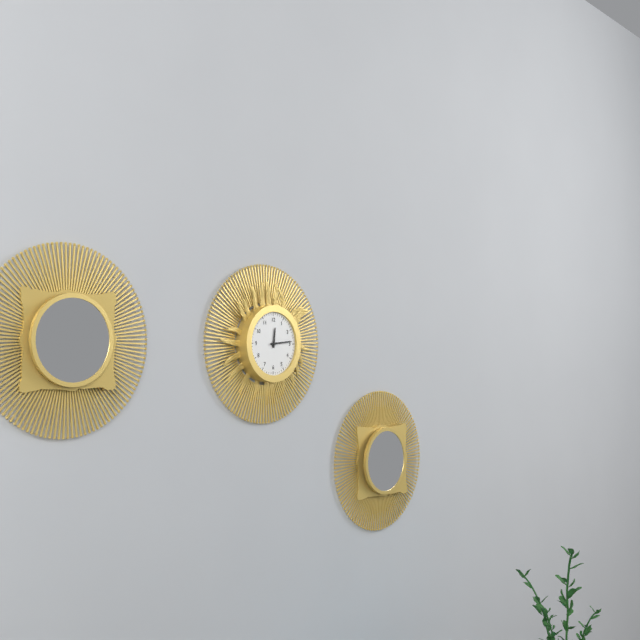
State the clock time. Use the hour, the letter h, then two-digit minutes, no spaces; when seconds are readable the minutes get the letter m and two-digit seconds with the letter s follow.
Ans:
12h14
